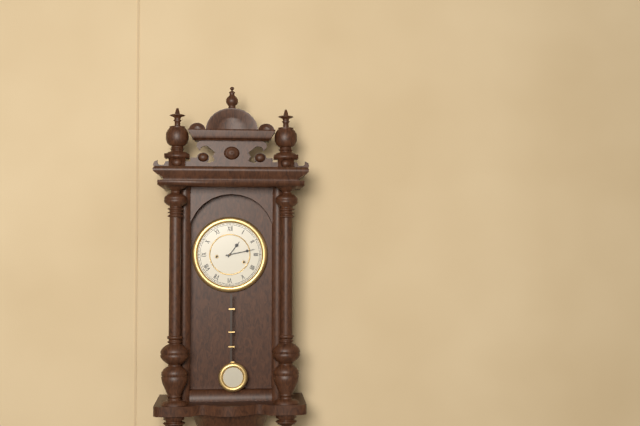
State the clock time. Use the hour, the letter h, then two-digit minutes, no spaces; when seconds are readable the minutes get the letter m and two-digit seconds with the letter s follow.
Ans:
1h13
